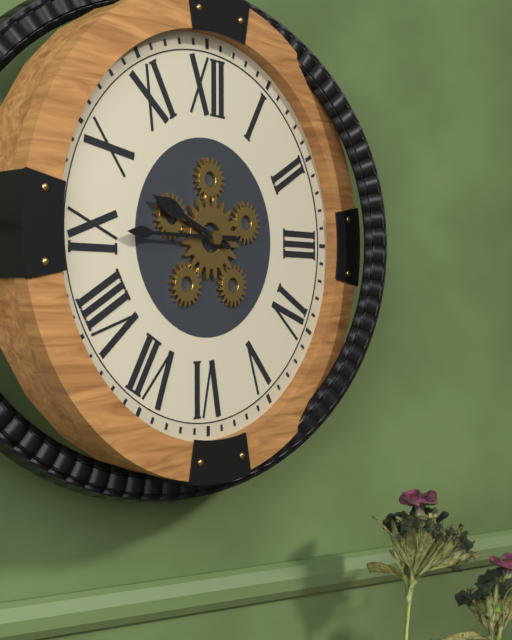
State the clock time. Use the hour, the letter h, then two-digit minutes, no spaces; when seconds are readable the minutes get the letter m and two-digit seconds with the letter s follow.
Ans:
9h45
